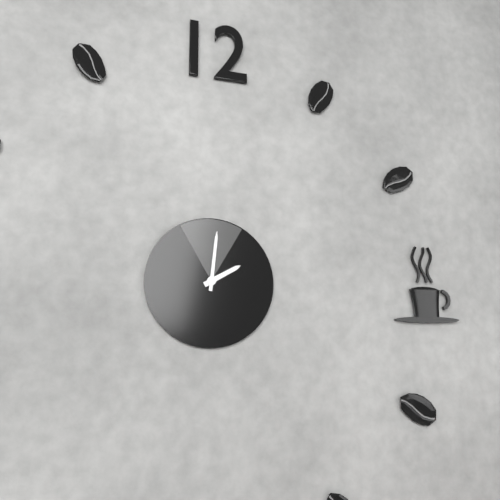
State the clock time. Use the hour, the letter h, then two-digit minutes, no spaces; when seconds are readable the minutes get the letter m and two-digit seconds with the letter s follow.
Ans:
2h01
